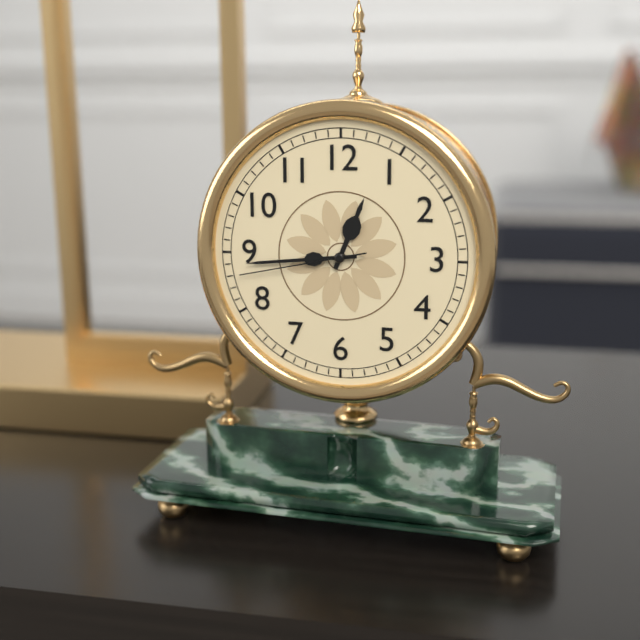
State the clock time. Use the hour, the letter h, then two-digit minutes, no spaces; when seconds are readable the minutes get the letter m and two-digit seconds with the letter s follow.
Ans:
12h44m43s
